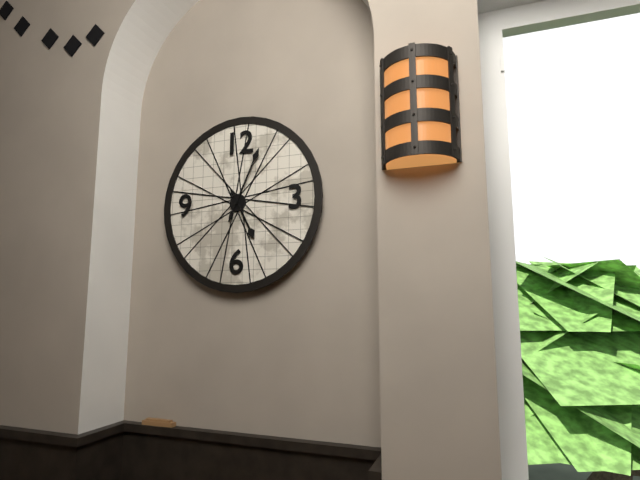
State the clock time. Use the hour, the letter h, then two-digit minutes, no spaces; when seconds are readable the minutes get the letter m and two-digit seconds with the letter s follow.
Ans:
5h04
